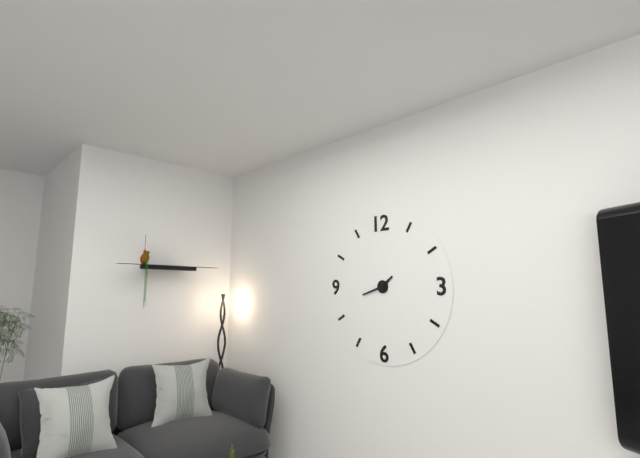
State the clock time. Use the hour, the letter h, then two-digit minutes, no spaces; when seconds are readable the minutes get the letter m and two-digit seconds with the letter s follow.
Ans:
1h42
